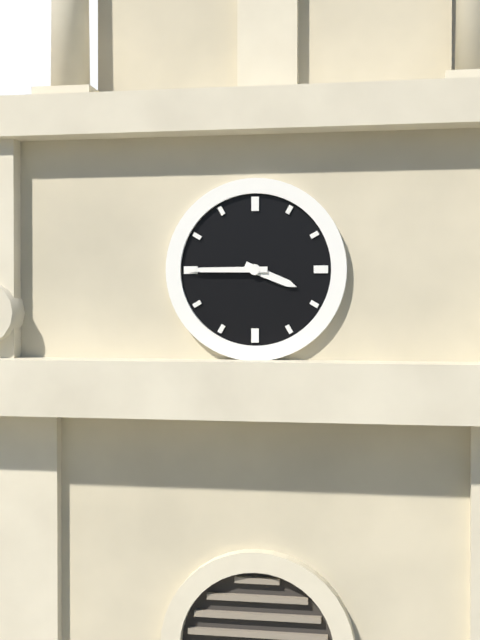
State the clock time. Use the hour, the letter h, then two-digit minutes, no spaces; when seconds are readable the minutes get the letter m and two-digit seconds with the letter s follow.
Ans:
3h45
